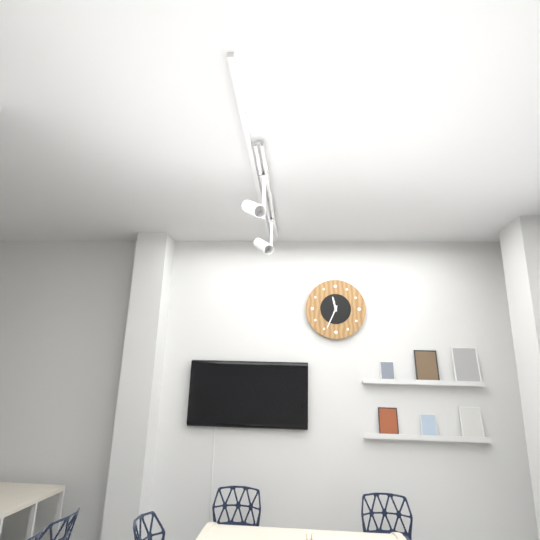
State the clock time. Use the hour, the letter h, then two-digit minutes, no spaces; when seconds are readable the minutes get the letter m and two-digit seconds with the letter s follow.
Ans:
11h34
